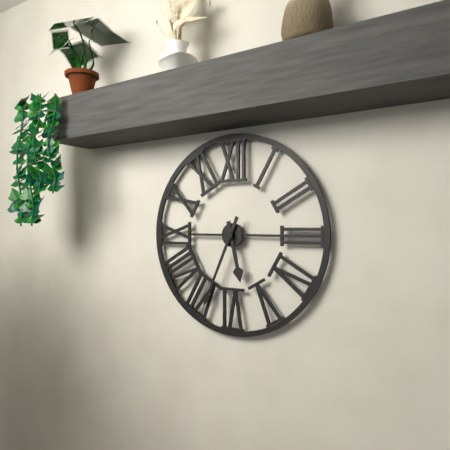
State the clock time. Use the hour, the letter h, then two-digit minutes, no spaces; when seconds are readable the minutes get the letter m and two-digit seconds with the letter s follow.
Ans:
5h34
